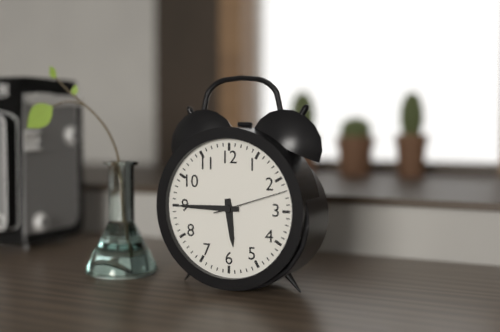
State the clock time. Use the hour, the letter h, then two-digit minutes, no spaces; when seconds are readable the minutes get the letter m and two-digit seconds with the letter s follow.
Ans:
5h45m12s
